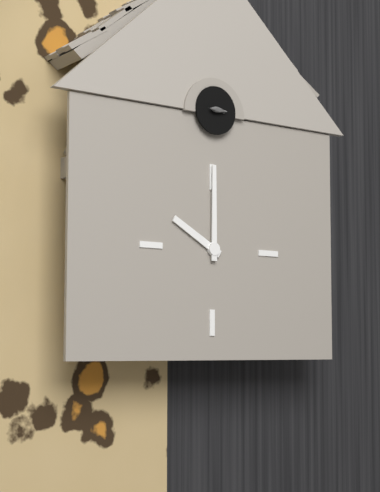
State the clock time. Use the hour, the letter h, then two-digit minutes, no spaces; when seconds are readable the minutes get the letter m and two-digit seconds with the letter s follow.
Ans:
10h00
